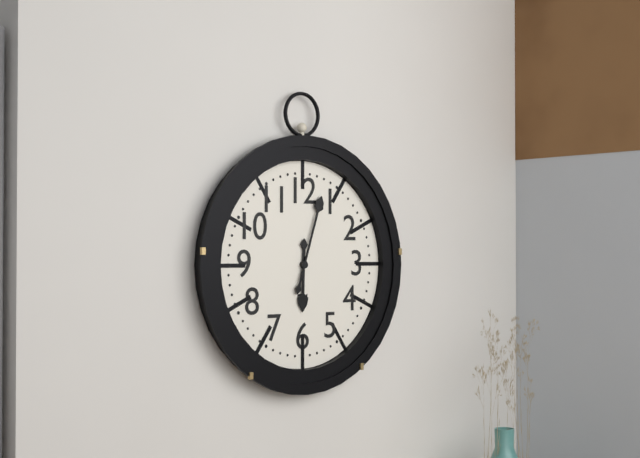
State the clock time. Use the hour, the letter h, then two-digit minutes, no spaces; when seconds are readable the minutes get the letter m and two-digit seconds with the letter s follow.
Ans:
6h03
